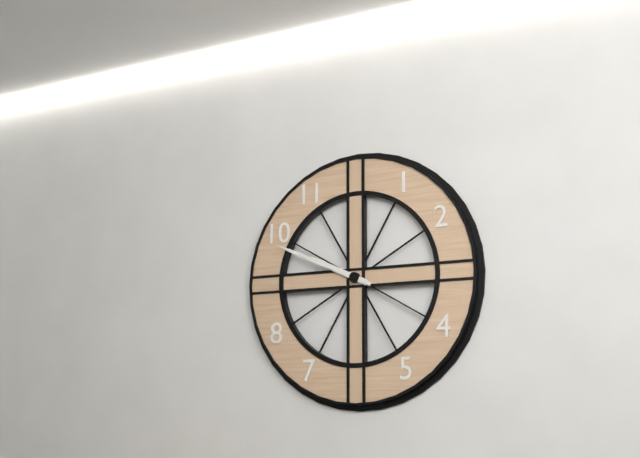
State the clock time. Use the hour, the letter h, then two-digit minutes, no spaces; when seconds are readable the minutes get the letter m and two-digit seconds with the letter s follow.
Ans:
9h49
